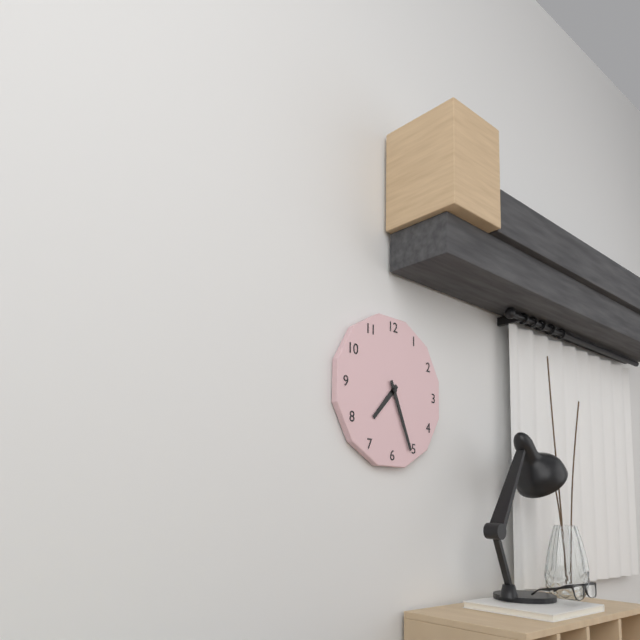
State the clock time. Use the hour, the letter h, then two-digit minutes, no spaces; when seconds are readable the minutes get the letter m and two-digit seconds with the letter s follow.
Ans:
7h26
